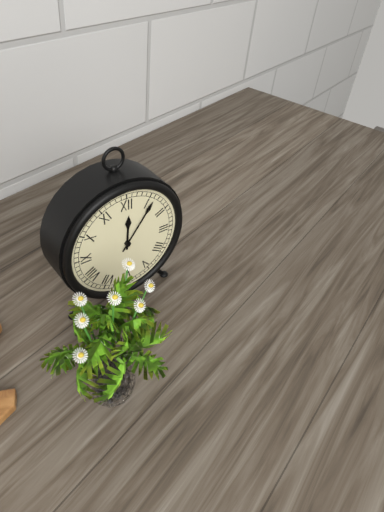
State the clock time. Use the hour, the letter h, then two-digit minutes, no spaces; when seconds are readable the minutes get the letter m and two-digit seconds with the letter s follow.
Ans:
12h06
